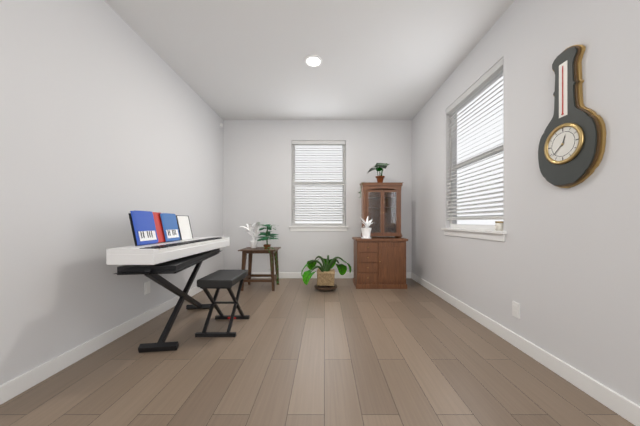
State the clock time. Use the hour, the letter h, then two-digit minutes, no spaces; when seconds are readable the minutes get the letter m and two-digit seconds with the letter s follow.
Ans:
12h38
